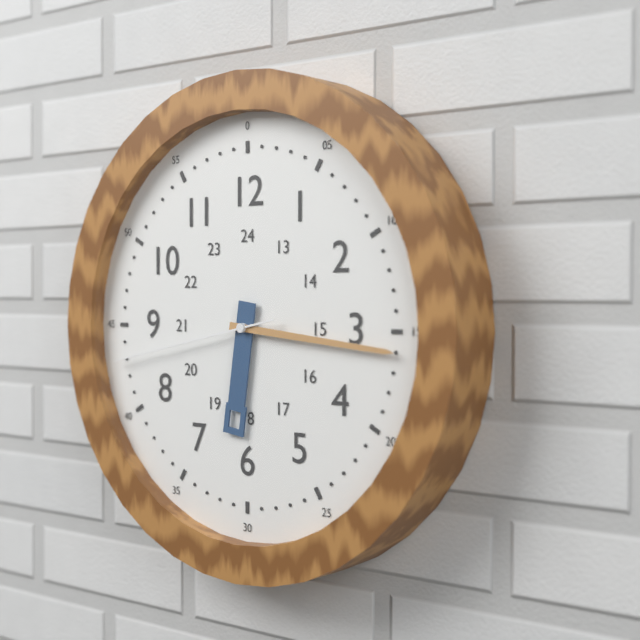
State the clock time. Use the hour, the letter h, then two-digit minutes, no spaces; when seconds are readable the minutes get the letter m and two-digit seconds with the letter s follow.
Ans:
6h16m43s
